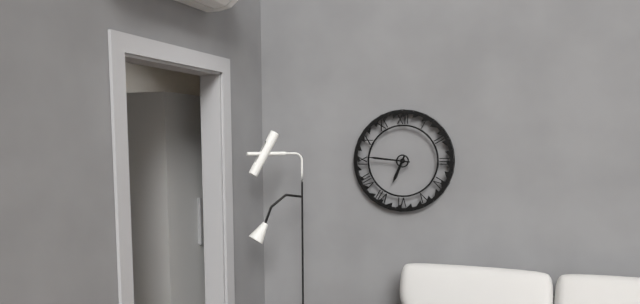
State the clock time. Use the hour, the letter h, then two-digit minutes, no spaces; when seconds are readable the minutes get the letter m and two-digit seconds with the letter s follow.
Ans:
6h46
